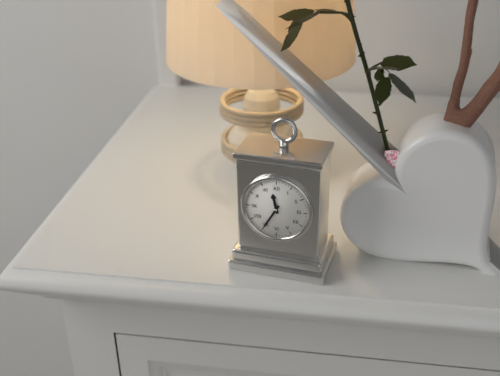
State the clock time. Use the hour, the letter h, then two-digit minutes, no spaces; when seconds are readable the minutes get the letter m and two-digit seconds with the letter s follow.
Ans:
11h35
